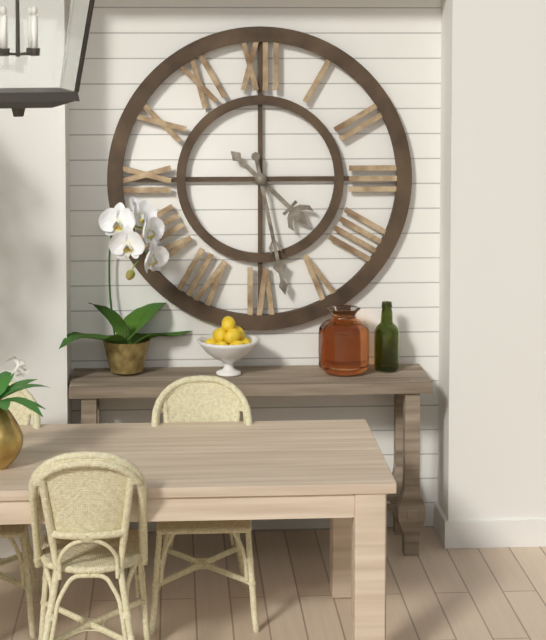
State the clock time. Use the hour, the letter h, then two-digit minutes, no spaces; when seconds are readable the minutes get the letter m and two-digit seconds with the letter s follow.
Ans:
4h28
